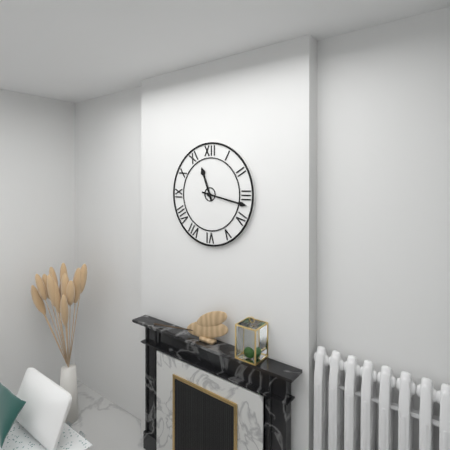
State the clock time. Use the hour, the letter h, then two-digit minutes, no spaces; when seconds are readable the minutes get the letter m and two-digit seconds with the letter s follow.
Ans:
11h17
